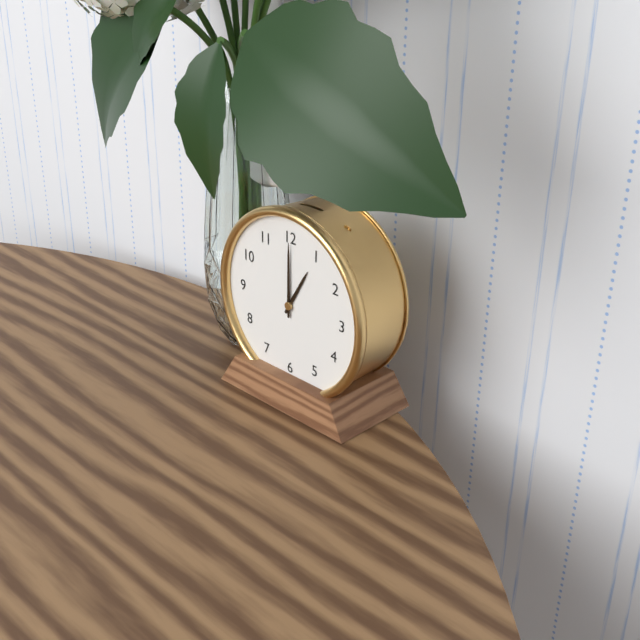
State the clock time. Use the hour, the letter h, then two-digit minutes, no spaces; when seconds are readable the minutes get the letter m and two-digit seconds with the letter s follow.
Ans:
1h00
